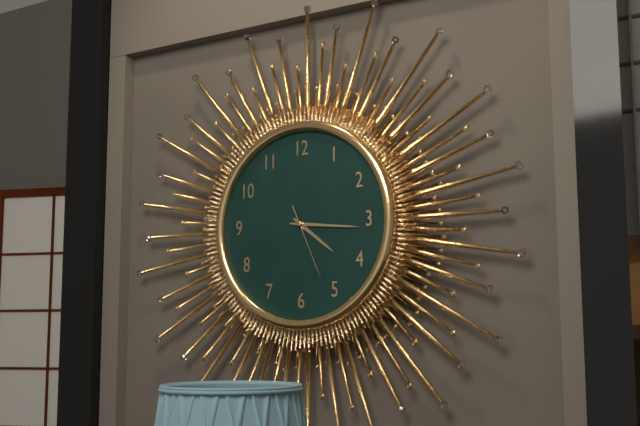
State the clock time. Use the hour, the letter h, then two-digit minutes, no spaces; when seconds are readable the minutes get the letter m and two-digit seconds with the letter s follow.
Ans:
4h16m26s
